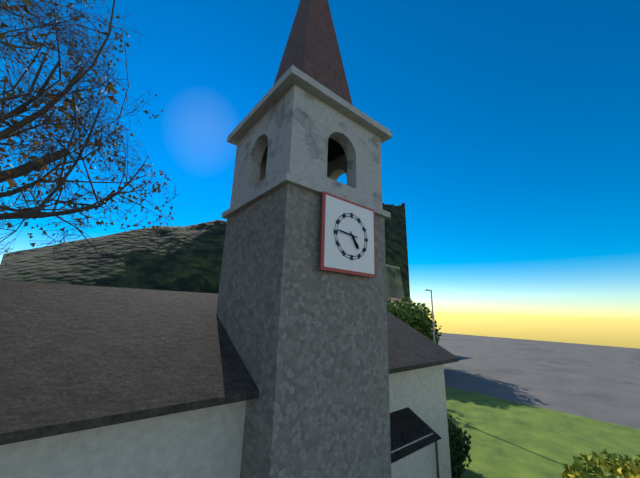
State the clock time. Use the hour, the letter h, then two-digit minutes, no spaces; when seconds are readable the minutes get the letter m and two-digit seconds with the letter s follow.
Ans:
4h46
